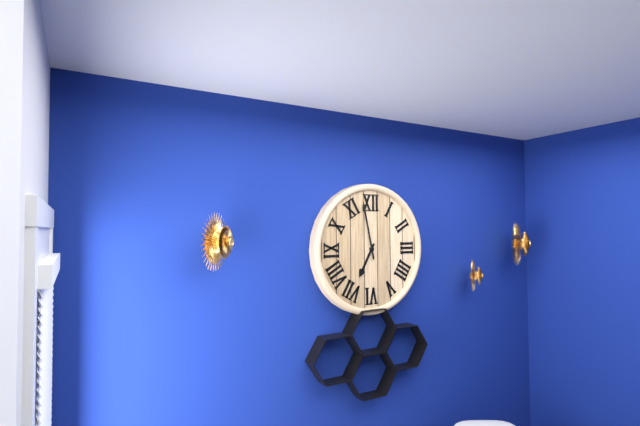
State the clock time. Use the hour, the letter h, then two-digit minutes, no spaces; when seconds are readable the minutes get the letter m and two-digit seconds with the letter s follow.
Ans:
6h58
